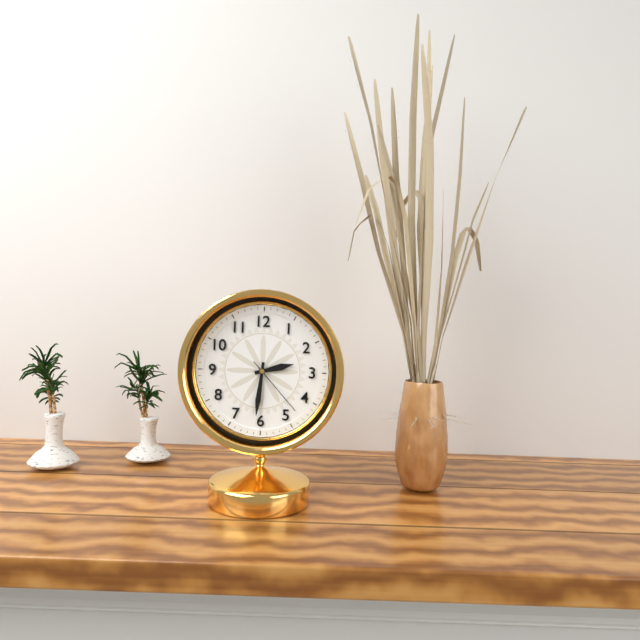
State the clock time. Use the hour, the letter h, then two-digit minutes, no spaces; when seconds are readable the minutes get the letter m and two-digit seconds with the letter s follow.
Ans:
2h31m23s
